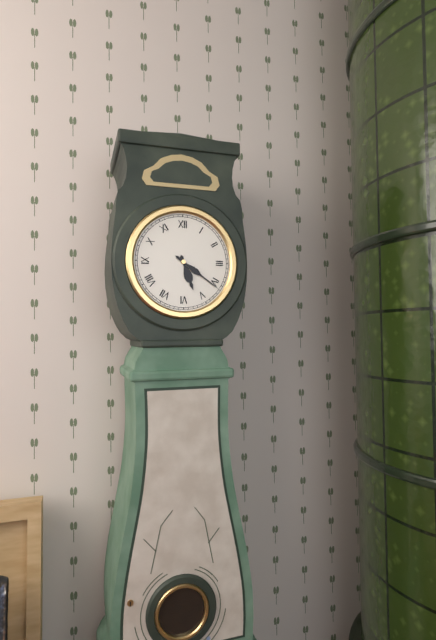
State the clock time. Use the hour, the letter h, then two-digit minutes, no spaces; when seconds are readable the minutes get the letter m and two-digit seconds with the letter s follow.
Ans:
5h21
